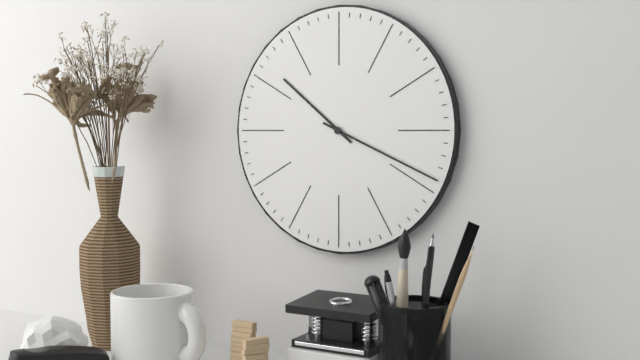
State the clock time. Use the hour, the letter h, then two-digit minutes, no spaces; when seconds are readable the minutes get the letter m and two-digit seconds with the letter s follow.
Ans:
10h19
